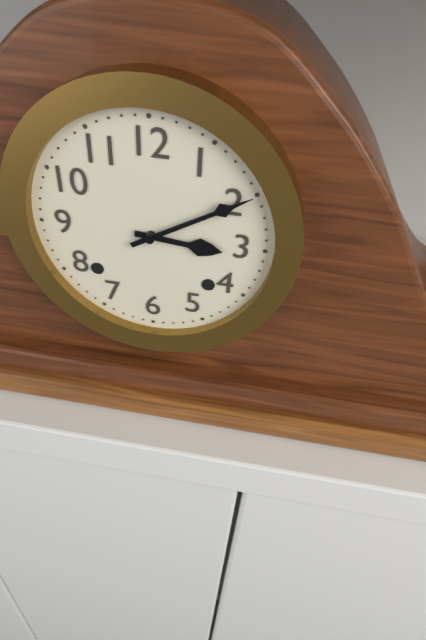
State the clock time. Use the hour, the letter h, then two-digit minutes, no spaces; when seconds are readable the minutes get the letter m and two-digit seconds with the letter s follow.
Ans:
3h10
